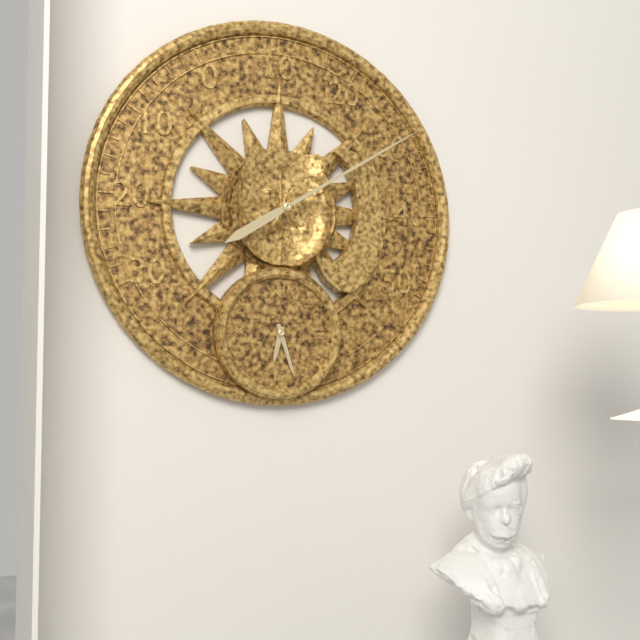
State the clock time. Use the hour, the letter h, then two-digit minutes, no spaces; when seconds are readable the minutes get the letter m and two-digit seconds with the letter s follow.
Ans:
6h27
